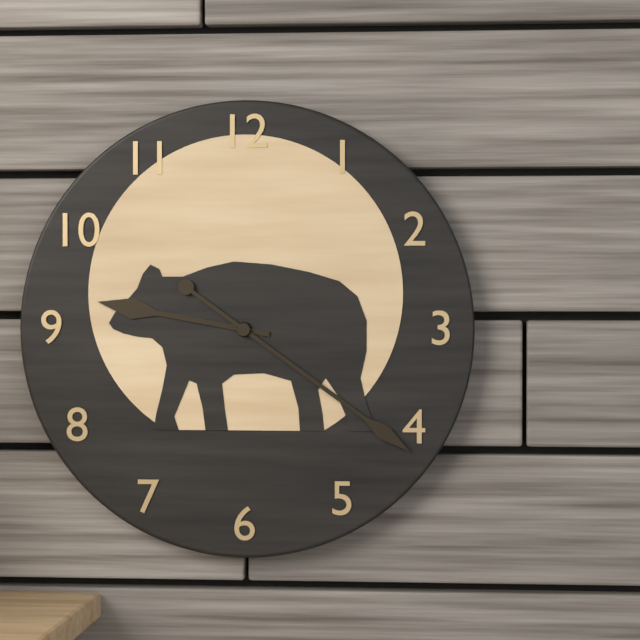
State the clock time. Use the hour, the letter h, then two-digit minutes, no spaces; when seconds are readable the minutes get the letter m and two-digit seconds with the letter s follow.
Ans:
9h21
